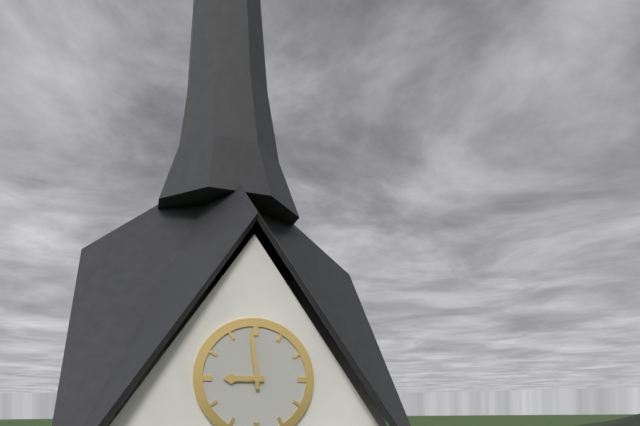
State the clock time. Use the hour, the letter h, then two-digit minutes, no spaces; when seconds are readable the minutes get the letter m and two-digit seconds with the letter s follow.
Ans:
8h59
